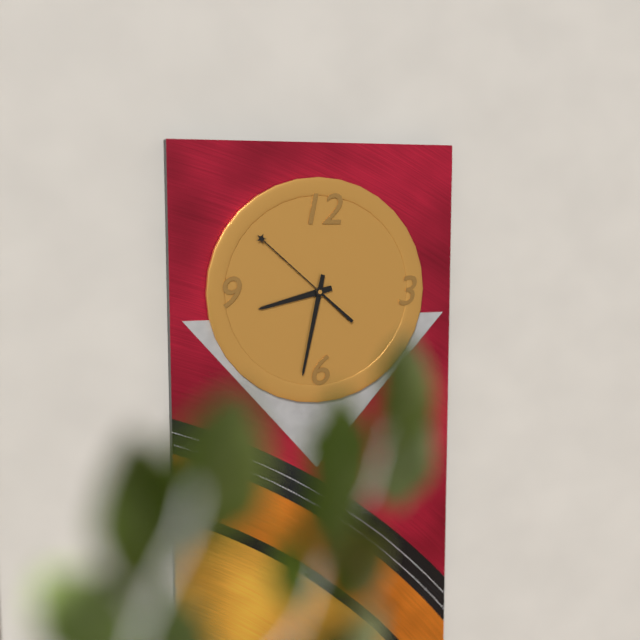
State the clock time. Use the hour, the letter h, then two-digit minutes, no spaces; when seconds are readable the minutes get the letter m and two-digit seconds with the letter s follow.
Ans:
8h32m52s
